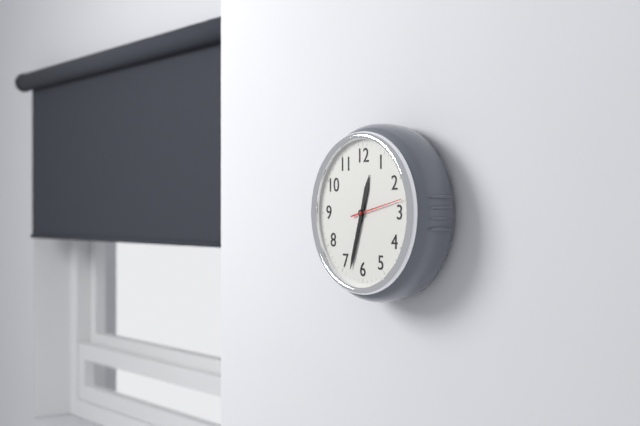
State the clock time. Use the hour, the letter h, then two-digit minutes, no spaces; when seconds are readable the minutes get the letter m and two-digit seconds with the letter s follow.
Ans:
12h33
